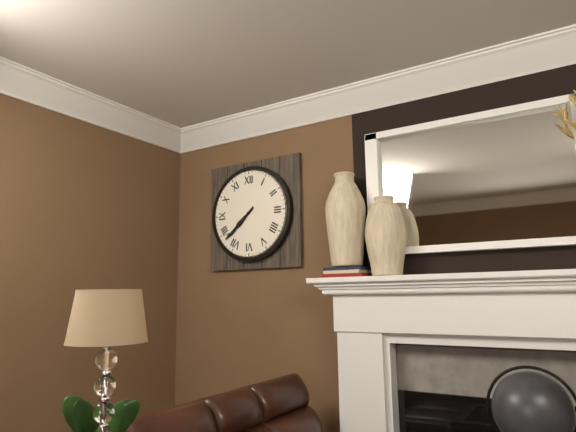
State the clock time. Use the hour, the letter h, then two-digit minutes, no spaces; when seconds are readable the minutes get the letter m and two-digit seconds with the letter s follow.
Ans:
7h38
